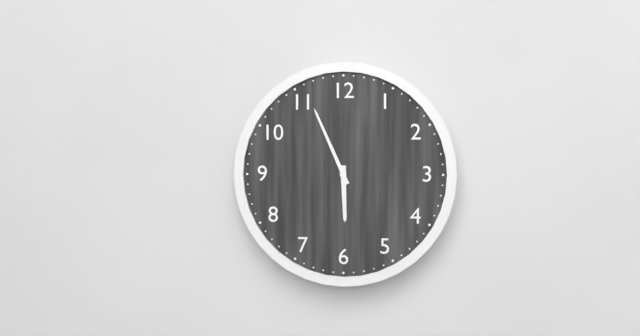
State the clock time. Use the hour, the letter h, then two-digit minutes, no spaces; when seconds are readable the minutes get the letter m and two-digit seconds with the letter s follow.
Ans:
5h56
